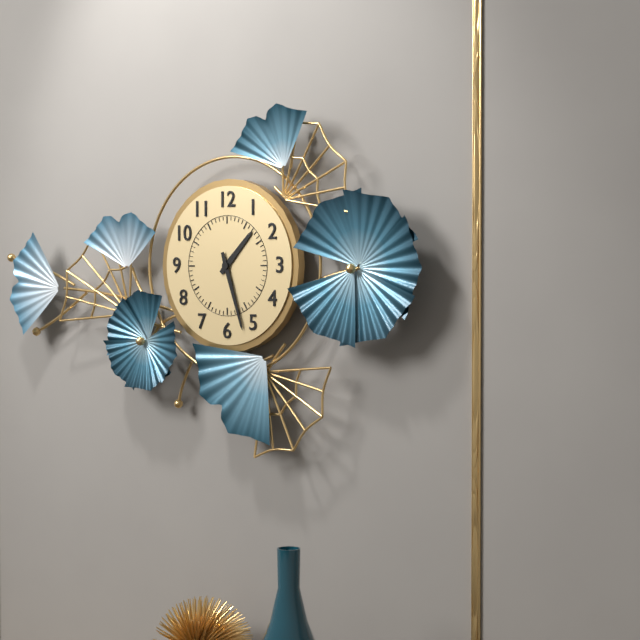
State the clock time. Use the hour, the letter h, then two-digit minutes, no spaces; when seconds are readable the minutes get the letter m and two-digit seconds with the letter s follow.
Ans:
1h27
